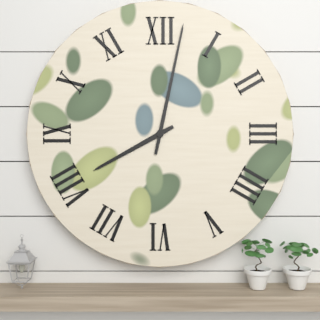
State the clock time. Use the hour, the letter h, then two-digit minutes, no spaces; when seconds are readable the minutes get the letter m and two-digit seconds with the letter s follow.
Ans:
8h02
